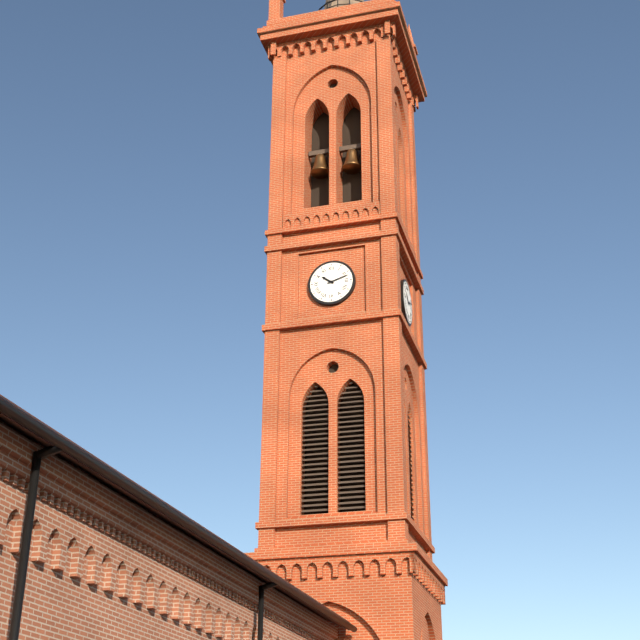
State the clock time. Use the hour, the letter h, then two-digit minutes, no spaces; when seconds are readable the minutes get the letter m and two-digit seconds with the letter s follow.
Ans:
10h12
